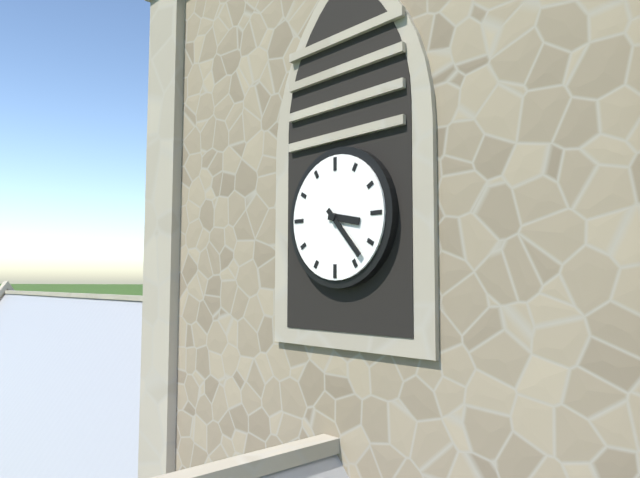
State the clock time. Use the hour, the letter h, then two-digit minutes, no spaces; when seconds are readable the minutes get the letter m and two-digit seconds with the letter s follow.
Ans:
3h23
